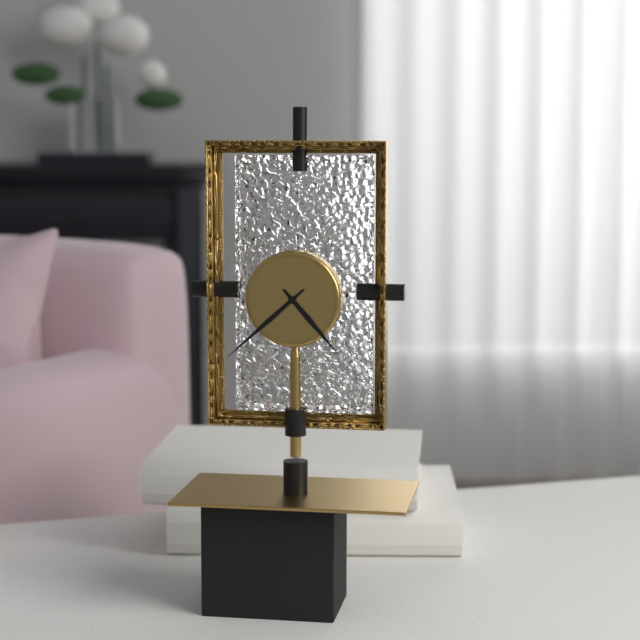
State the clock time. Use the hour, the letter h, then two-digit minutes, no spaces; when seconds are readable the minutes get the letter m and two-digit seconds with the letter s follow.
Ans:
4h38
